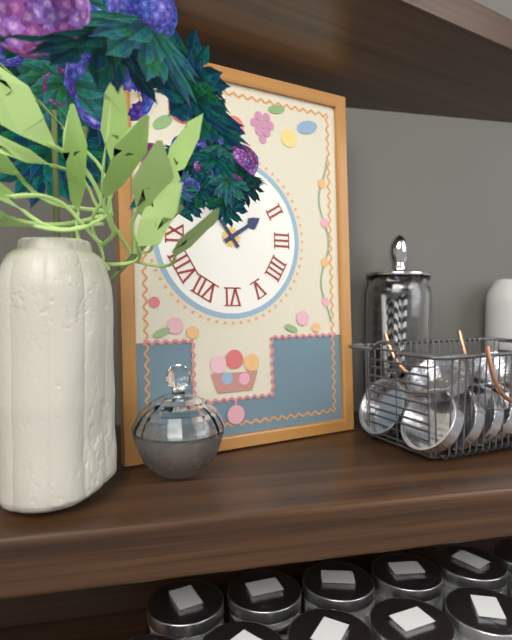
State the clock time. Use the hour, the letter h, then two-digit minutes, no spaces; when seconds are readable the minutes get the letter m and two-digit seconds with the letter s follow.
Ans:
1h54
